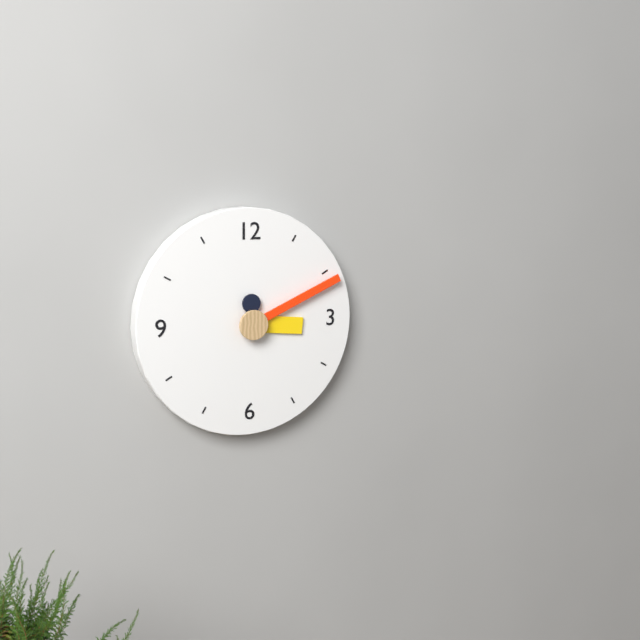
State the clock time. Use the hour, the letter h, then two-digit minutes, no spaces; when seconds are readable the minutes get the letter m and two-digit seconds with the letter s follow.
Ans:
3h11
